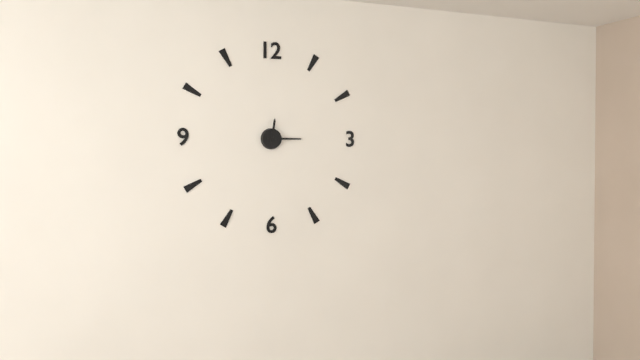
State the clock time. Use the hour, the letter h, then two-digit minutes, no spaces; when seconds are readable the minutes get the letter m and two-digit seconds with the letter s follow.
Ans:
12h15
